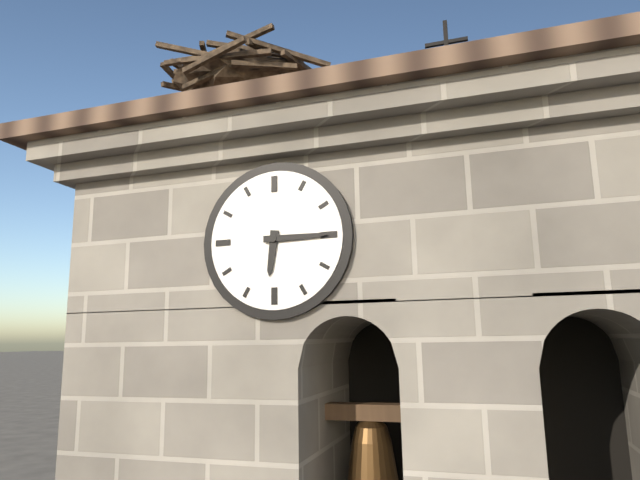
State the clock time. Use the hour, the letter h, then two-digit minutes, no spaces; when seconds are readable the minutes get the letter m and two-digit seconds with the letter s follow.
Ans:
6h15
